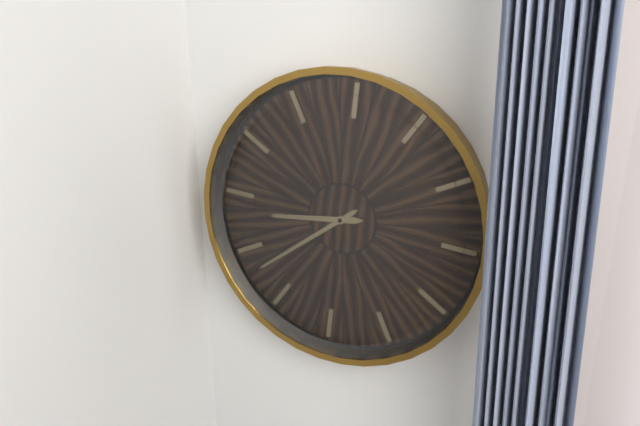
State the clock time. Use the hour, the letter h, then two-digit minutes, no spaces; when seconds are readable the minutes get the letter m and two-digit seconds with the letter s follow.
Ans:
8h38
